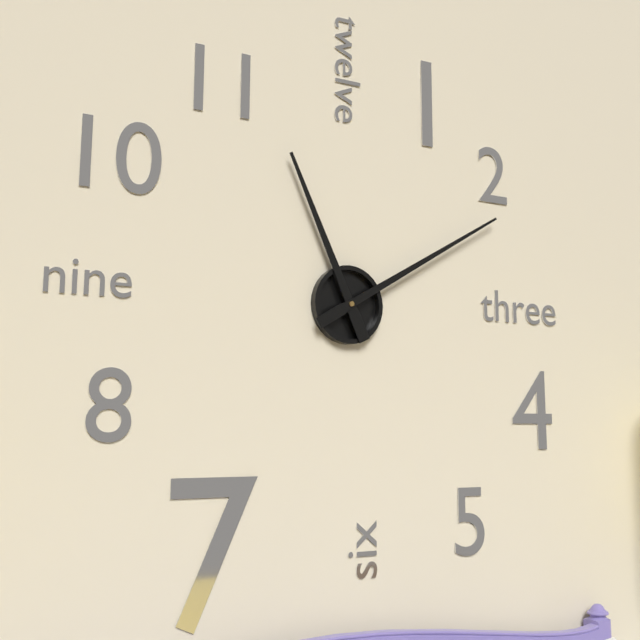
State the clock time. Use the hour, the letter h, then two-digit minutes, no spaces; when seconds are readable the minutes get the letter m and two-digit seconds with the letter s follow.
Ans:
11h10
